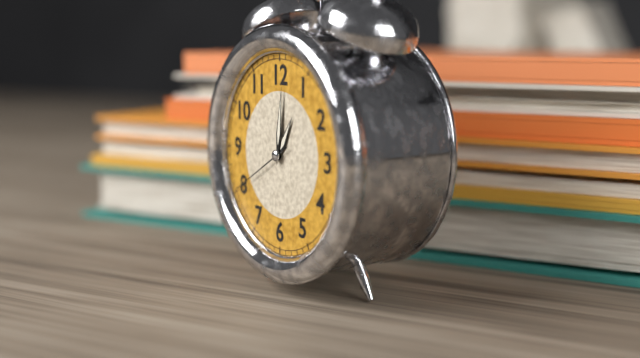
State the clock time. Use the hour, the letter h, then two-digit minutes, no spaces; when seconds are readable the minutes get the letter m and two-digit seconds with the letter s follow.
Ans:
1h01m40s
